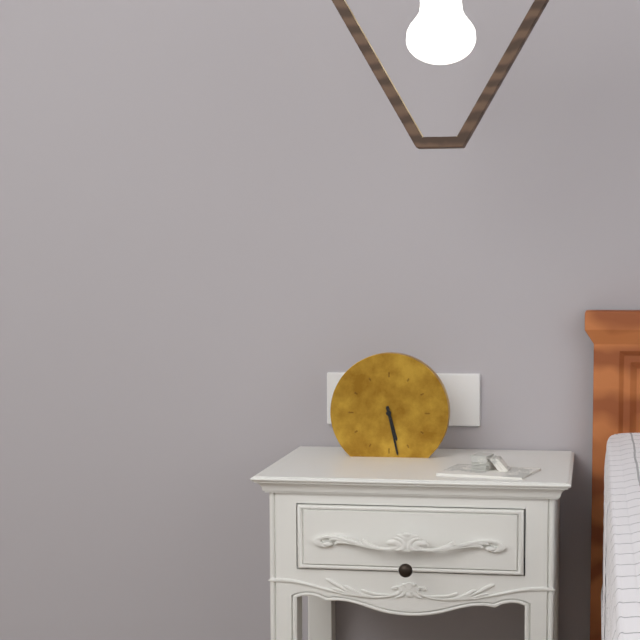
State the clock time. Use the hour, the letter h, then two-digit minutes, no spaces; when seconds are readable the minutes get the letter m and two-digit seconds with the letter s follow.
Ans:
5h28
